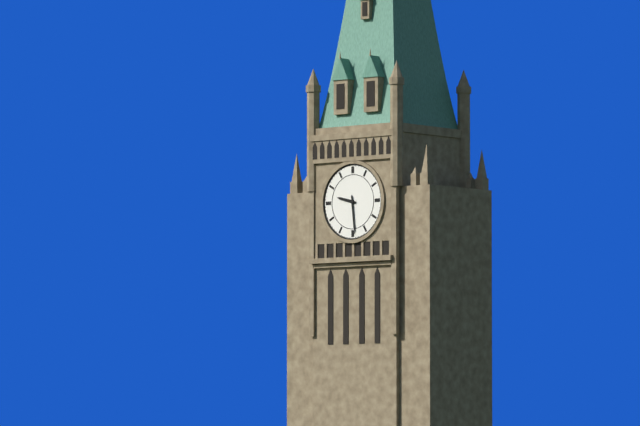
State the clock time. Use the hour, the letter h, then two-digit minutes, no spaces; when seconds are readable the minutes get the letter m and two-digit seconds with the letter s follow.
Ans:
9h29
